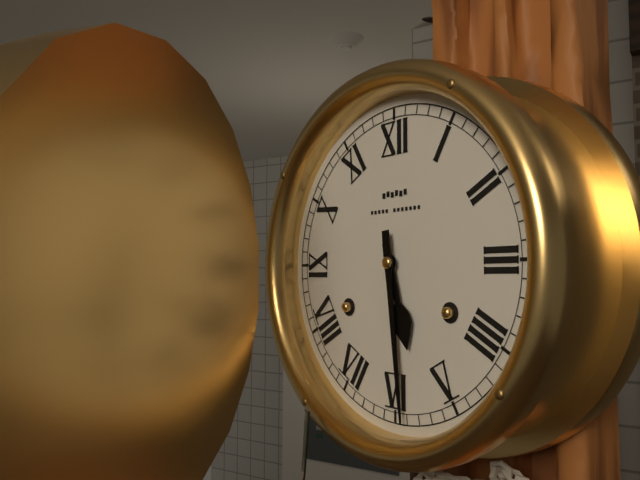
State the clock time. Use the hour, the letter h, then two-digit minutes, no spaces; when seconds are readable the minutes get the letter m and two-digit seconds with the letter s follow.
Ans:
5h29
